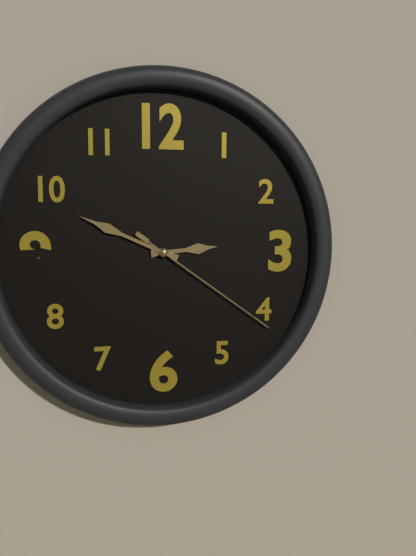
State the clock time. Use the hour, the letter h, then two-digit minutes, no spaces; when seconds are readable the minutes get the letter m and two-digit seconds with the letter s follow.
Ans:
2h49m21s
